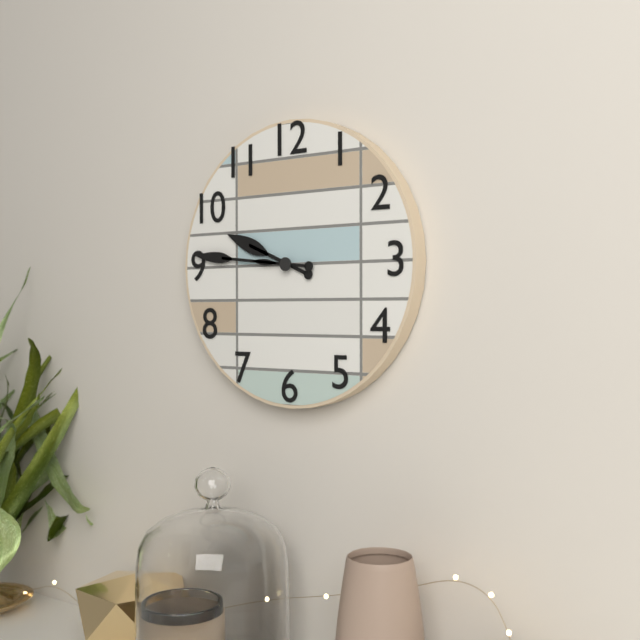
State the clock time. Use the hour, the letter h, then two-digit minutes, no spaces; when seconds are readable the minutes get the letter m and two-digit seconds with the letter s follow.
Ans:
9h46
